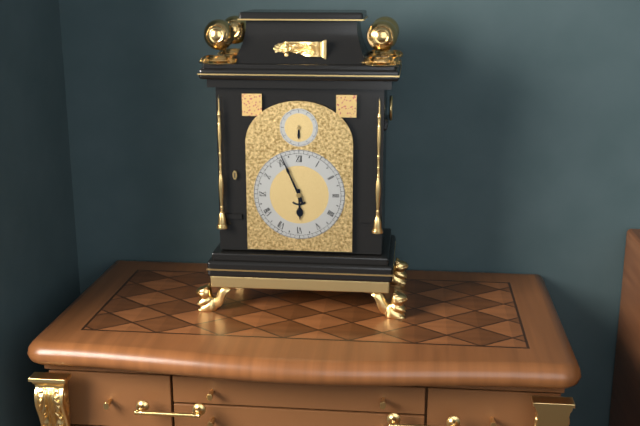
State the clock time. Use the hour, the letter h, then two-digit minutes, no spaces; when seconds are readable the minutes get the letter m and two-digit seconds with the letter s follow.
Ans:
5h56
